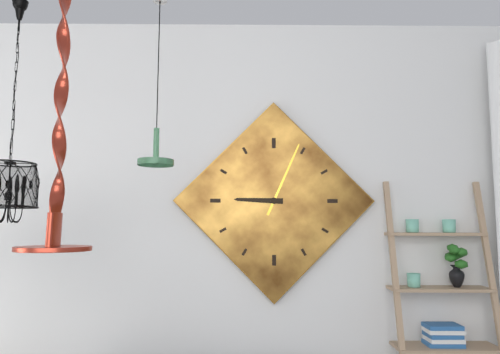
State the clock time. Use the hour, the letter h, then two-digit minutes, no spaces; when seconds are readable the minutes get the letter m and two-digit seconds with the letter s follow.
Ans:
9h04
